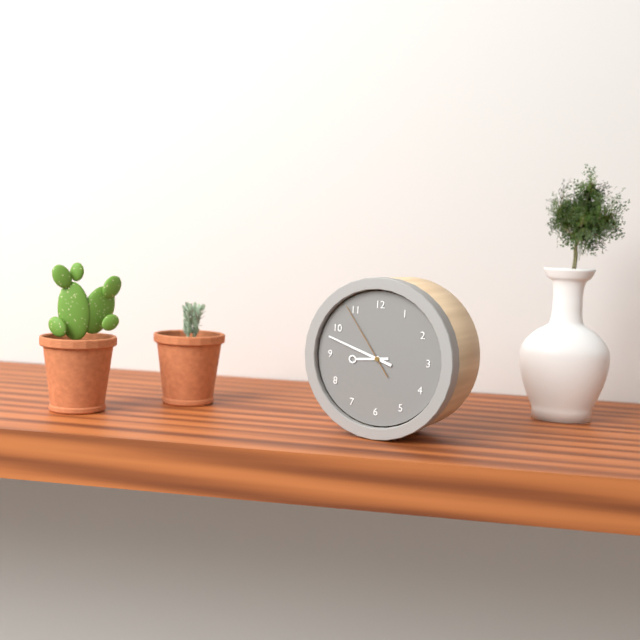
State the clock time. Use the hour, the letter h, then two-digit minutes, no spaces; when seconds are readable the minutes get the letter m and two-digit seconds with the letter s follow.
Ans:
8h48m54s
